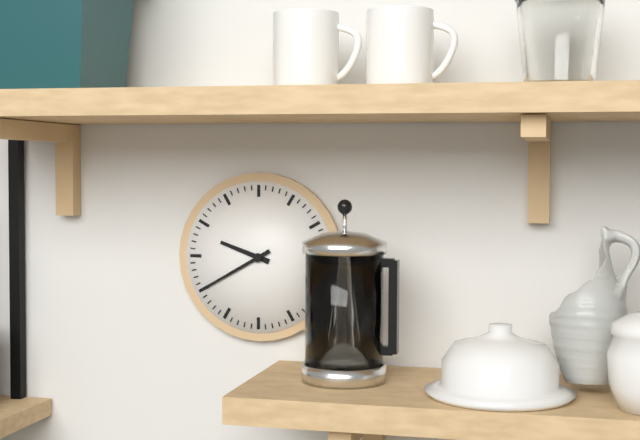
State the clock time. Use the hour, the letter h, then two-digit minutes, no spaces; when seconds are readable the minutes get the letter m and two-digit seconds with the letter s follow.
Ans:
9h40
